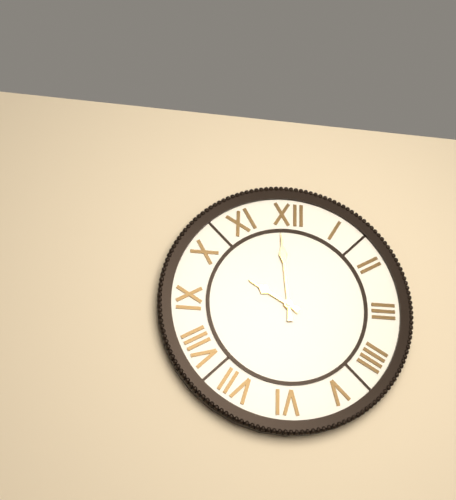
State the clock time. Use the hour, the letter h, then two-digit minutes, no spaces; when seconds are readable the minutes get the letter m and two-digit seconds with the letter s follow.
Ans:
9h59
